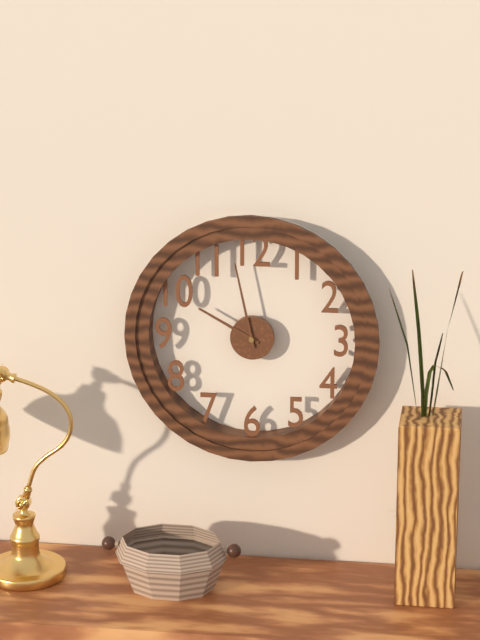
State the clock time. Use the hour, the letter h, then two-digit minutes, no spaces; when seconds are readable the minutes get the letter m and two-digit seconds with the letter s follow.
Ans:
9h58
